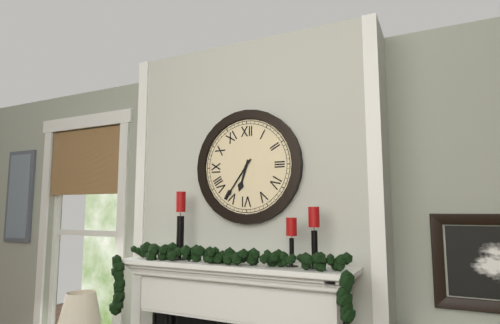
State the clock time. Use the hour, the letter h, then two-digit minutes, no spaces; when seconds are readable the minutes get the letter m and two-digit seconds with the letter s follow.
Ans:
6h36
